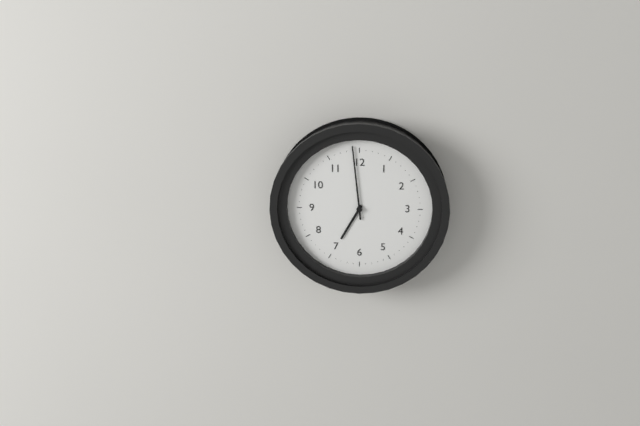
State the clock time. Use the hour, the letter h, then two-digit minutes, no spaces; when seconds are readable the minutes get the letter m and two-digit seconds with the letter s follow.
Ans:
6h59
